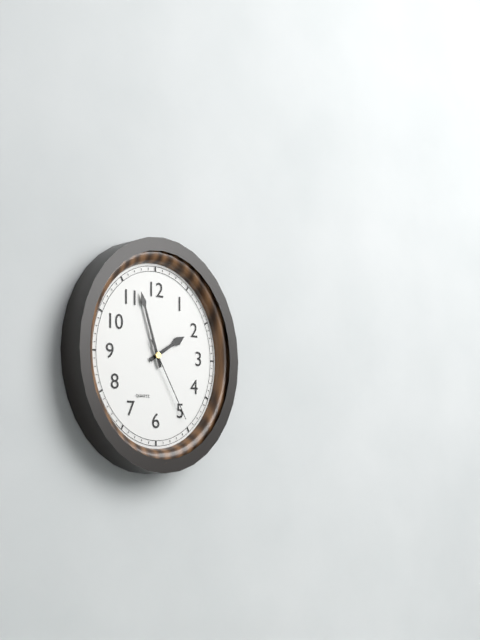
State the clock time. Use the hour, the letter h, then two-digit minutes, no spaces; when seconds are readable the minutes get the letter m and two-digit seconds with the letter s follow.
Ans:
1h57m25s
